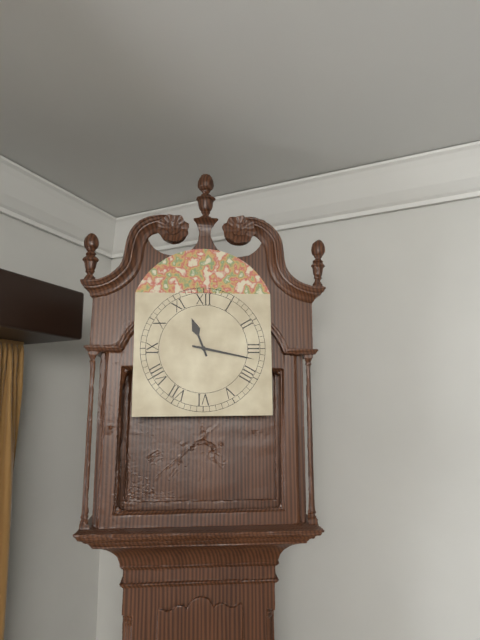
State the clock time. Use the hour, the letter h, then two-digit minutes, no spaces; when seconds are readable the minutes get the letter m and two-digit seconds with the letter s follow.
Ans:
11h17
